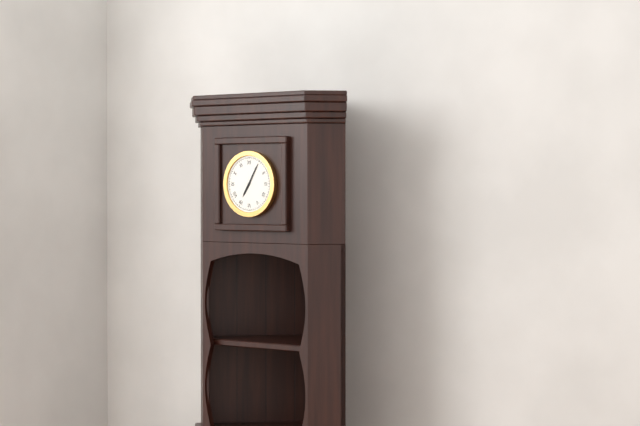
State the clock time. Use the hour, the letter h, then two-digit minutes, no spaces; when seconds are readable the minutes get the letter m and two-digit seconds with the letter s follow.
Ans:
7h05
